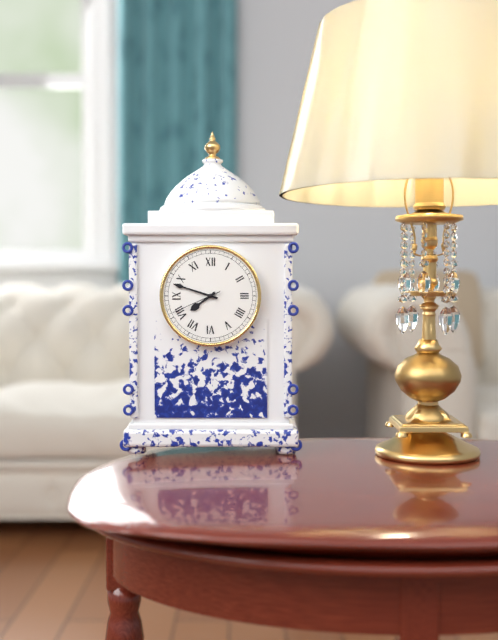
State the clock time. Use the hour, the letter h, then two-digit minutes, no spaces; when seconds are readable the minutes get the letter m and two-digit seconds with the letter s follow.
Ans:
7h48m41s
